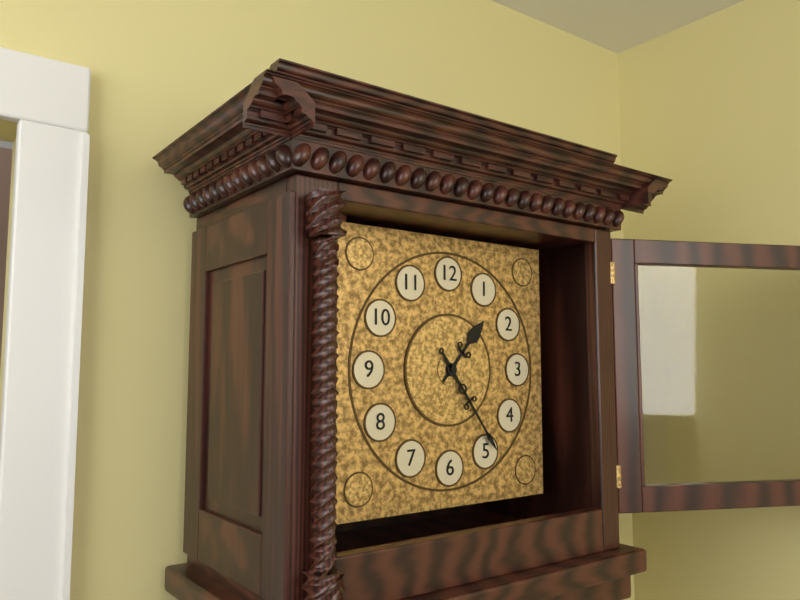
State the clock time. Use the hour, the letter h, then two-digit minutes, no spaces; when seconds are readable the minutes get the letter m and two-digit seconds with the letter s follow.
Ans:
1h24
